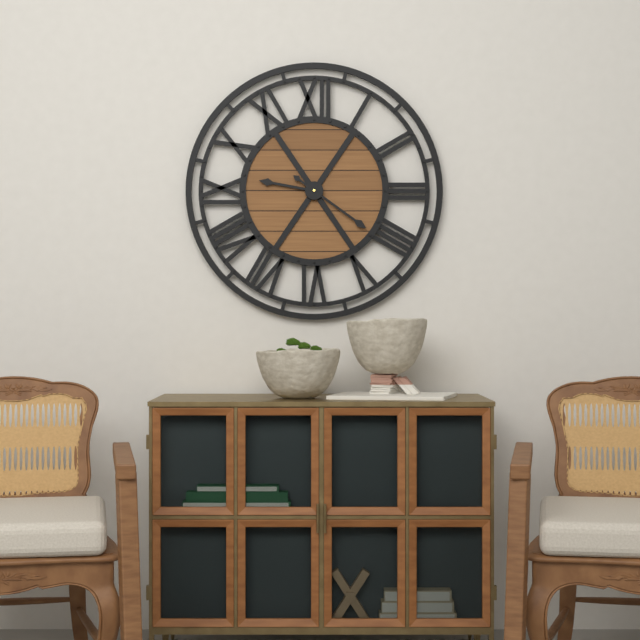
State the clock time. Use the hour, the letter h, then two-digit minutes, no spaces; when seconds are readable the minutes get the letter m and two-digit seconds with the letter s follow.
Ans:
9h21
